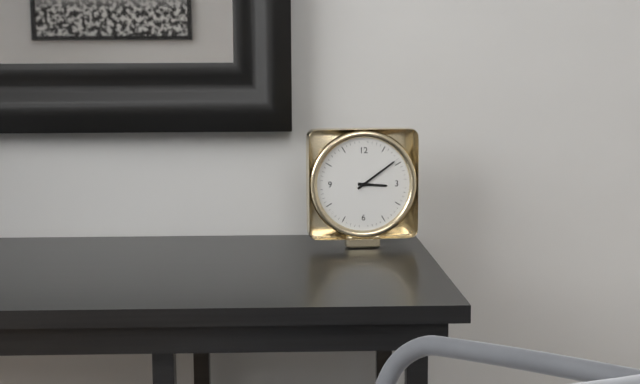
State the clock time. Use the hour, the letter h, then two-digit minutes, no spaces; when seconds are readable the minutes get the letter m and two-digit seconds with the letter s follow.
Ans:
3h09
